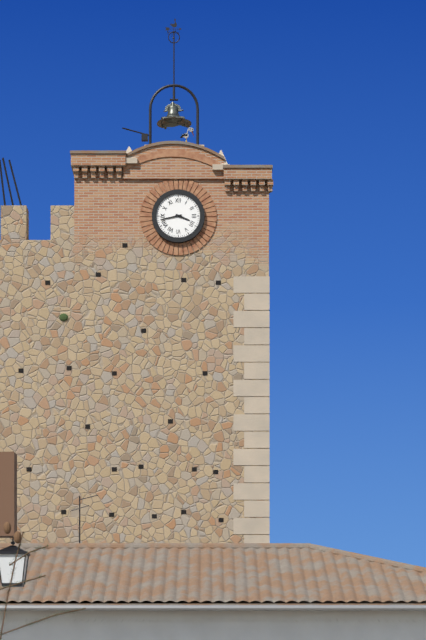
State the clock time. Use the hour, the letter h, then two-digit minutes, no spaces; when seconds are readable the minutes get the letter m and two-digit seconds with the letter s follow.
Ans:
3h43
